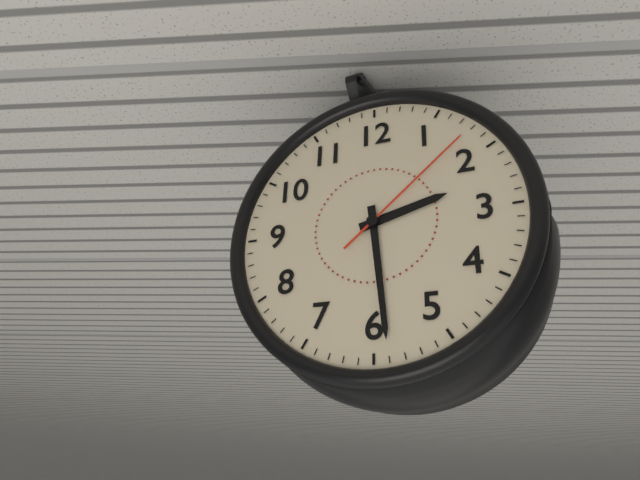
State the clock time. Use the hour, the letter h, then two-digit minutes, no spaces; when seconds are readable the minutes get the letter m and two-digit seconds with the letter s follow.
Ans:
2h29m08s
